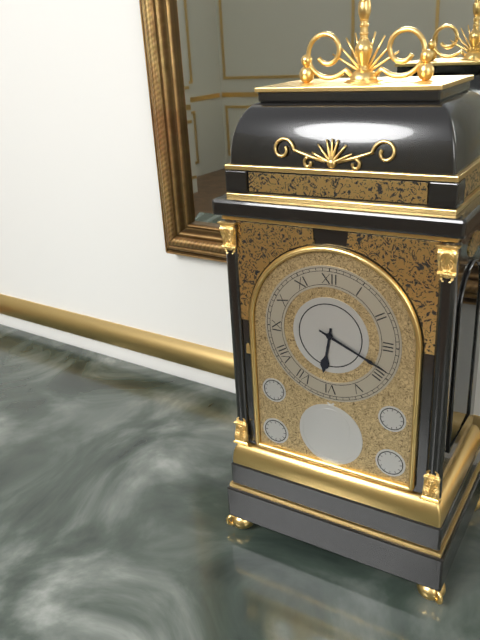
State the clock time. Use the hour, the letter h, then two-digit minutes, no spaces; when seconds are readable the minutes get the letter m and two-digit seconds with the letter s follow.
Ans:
6h19
